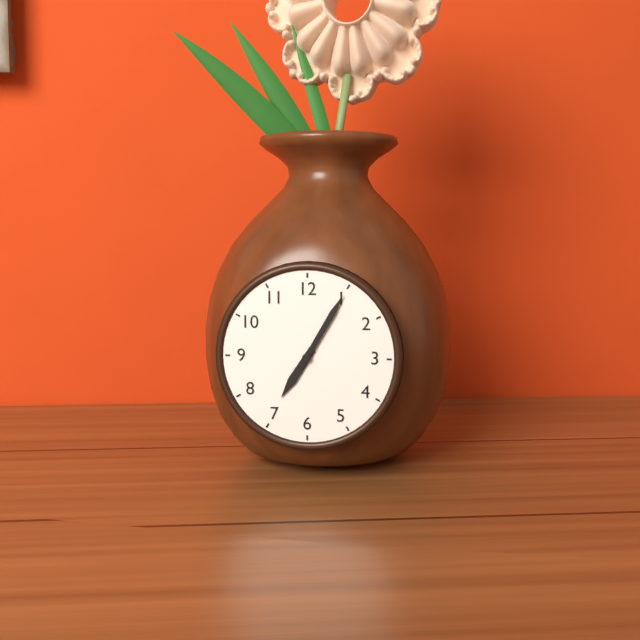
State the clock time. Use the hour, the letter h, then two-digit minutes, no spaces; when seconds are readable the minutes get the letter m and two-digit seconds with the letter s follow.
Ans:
7h05
